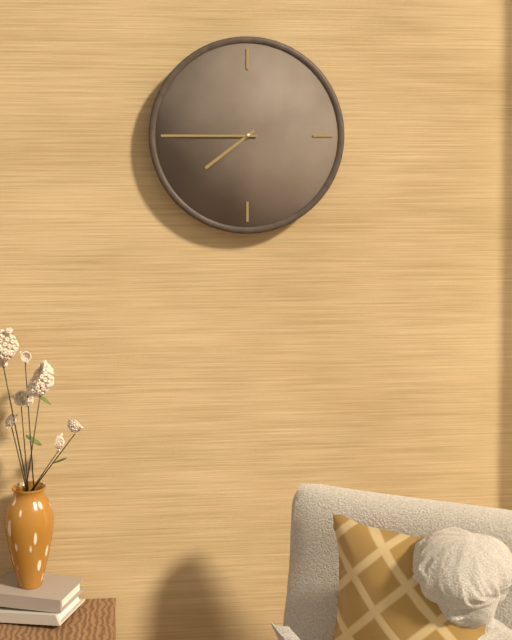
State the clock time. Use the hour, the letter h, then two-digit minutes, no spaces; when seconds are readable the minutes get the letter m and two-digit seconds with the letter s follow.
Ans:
7h45
